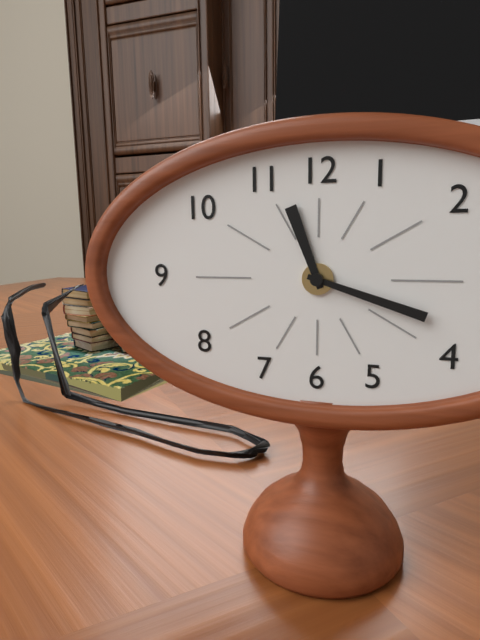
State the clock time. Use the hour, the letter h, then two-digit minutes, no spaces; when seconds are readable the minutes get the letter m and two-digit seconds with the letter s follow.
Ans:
11h18
